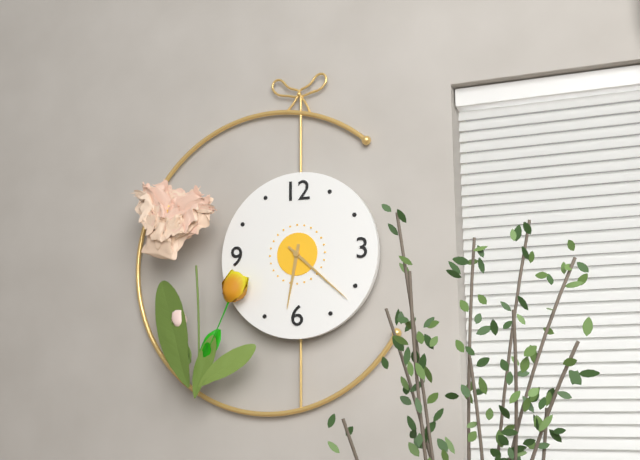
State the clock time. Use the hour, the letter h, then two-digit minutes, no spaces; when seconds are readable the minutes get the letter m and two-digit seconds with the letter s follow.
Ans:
6h22
